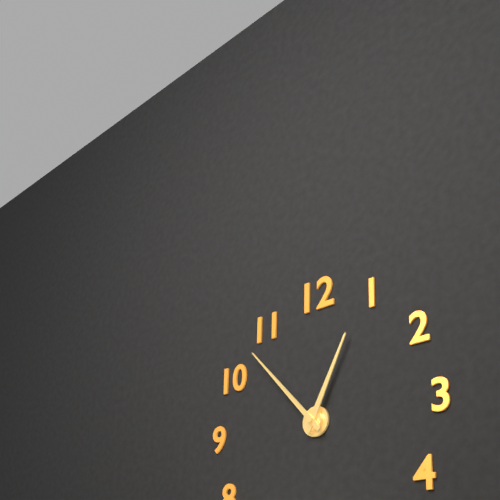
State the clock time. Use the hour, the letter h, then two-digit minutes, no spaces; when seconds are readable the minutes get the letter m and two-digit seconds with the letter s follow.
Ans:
12h53
